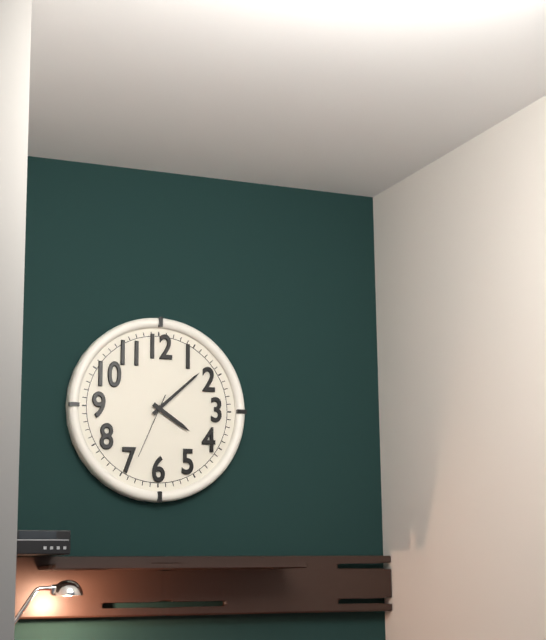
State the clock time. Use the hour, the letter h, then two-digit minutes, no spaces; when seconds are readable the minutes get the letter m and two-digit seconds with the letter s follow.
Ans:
4h08m34s
